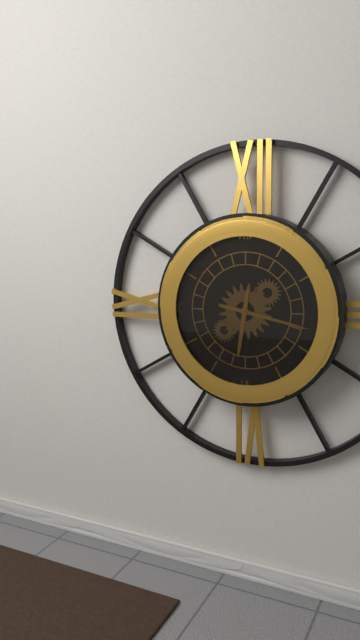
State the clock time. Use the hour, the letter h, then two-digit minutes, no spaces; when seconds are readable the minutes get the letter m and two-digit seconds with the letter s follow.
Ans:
6h17
